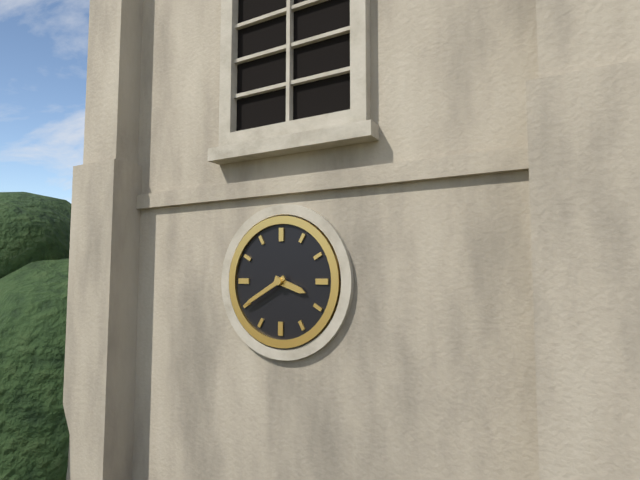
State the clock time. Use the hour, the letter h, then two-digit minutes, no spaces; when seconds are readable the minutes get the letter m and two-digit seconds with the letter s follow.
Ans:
3h40
